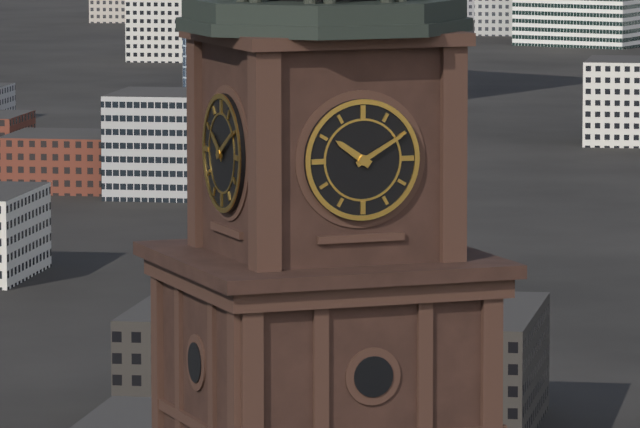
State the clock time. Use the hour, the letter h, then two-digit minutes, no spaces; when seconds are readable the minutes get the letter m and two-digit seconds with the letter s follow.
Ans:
10h10
